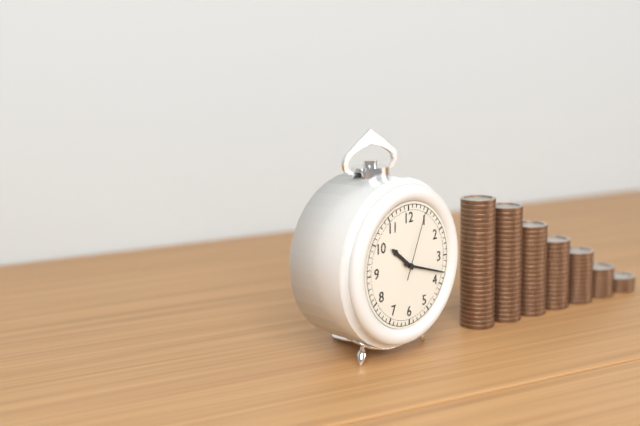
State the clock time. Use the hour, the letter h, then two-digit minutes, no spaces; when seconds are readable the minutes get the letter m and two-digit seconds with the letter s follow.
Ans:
10h18m04s
